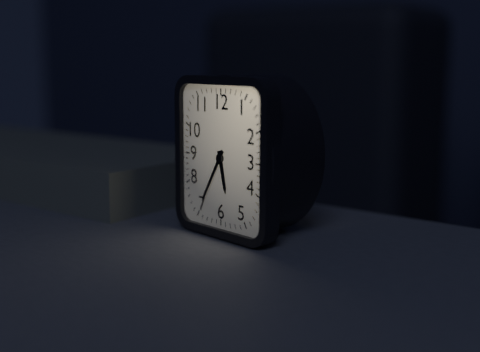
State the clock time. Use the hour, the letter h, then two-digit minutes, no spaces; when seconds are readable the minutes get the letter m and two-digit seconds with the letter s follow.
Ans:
5h35
